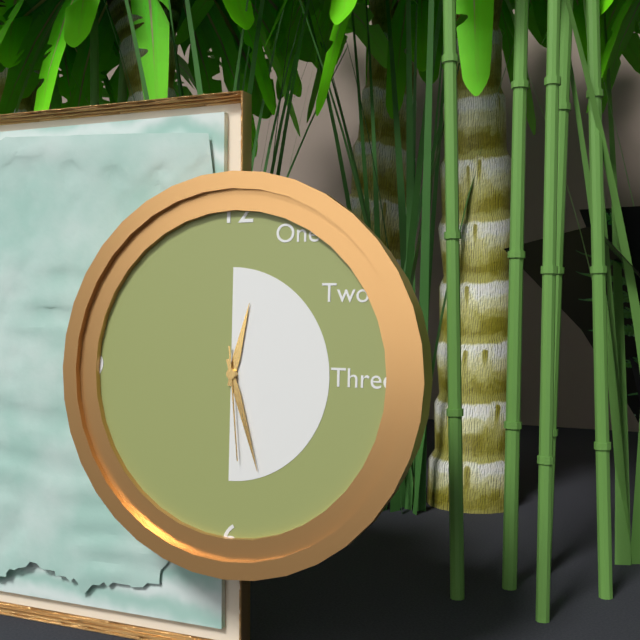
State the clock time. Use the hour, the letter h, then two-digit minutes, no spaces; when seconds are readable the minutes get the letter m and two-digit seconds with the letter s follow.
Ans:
12h27m29s
